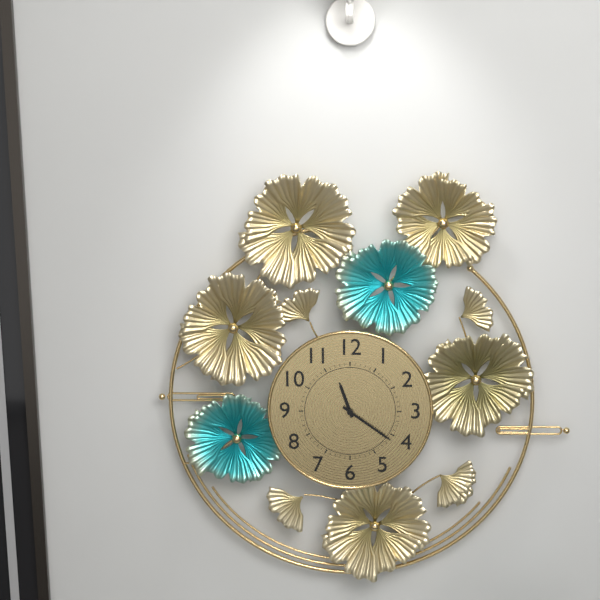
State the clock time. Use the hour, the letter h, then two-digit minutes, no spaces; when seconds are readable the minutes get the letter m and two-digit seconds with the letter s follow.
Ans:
11h21
